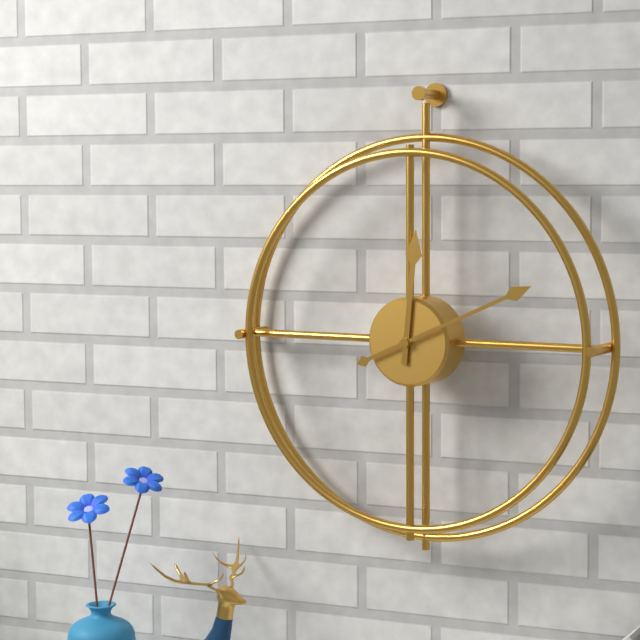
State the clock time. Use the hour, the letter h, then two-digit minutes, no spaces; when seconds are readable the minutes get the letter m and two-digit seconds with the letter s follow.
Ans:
12h11
